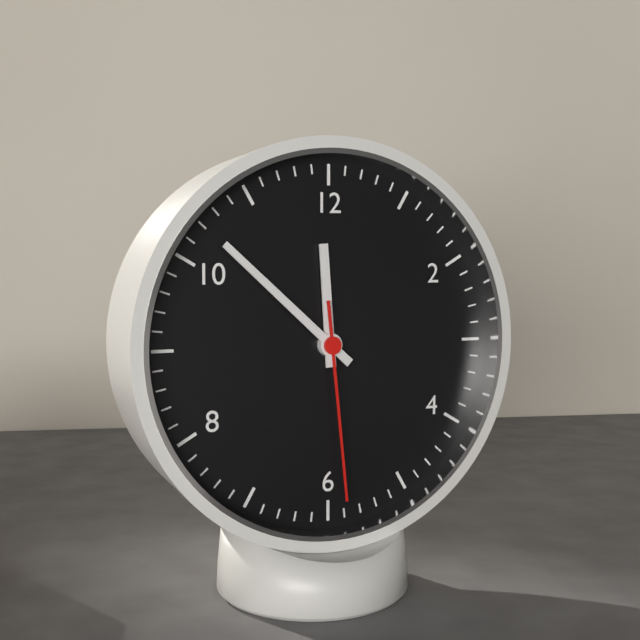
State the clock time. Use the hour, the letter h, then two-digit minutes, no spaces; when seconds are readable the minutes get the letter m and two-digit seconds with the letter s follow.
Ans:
11h52m29s
